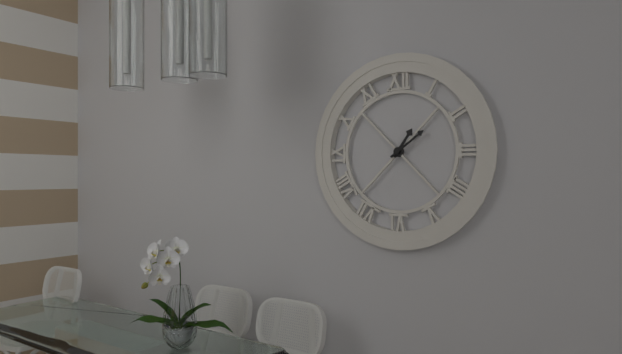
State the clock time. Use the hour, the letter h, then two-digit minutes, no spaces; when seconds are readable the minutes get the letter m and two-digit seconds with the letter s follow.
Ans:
1h09
